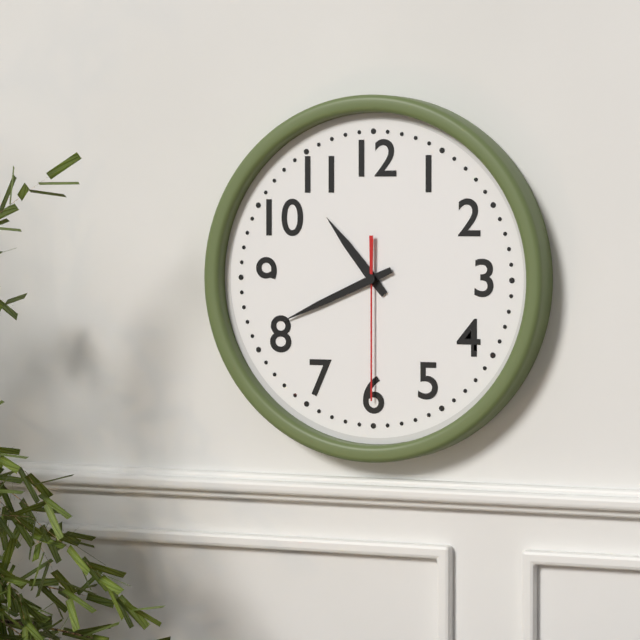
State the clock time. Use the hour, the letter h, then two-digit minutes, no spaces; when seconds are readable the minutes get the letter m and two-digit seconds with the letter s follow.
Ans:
10h41m30s
